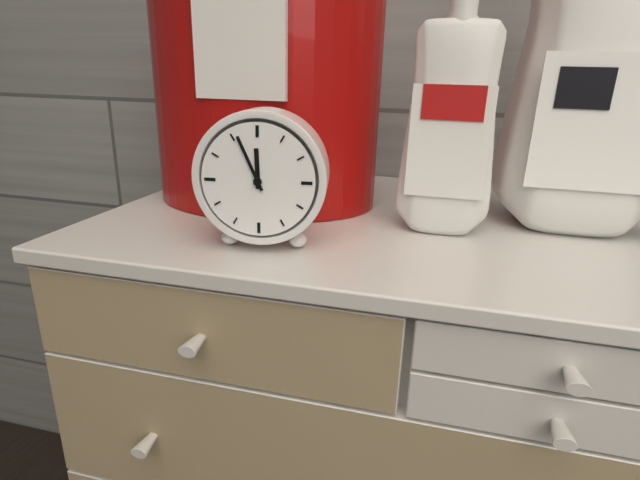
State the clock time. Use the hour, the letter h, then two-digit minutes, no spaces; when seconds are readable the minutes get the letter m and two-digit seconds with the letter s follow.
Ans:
11h56
